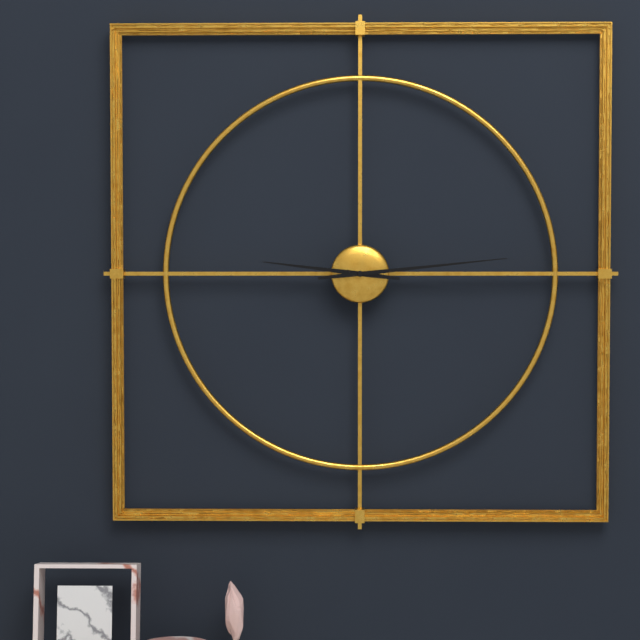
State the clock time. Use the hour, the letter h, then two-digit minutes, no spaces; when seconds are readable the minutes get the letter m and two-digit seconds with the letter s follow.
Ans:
9h14
